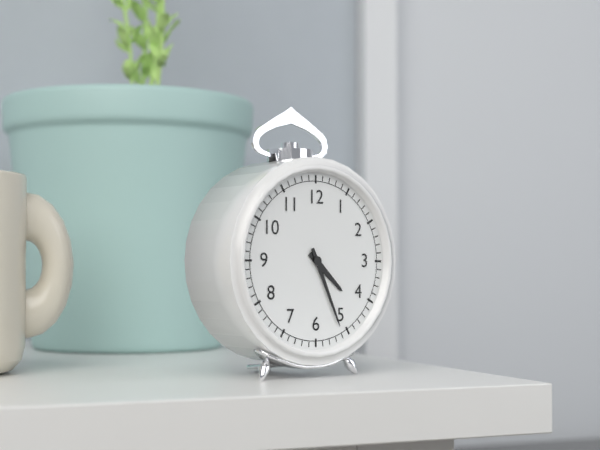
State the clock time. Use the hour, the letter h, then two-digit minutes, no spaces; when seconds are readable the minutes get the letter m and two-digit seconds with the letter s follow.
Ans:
4h26
